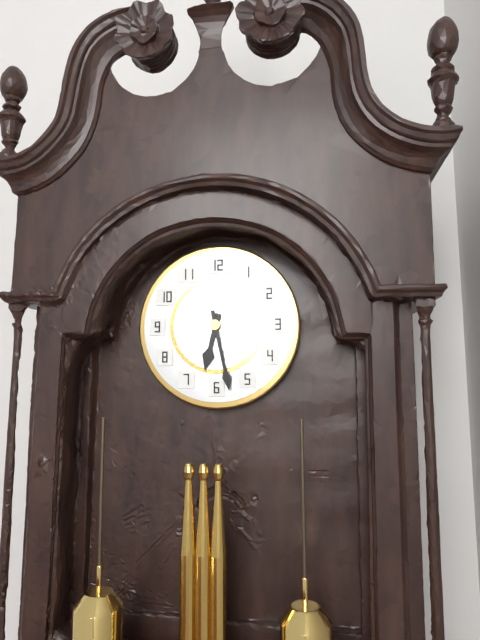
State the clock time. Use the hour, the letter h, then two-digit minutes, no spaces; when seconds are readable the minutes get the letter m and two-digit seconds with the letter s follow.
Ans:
6h28
